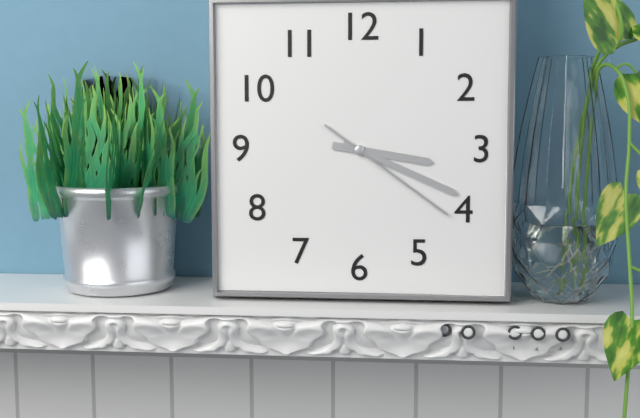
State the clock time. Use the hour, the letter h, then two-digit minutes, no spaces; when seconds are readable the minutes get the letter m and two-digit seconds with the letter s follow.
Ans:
3h19m21s
